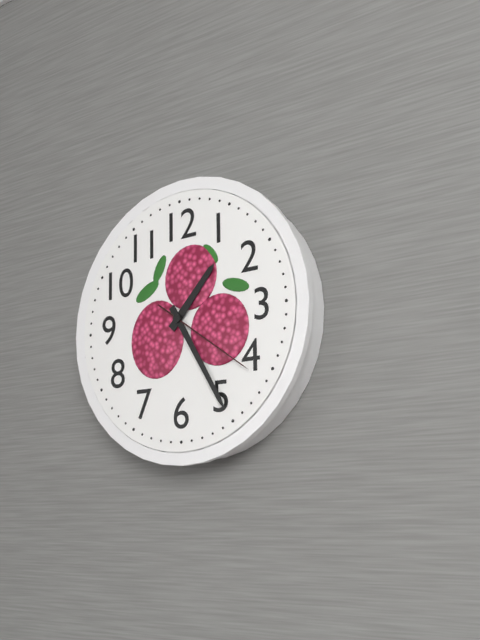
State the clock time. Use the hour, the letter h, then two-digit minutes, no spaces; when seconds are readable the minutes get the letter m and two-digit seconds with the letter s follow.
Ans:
1h25m21s
